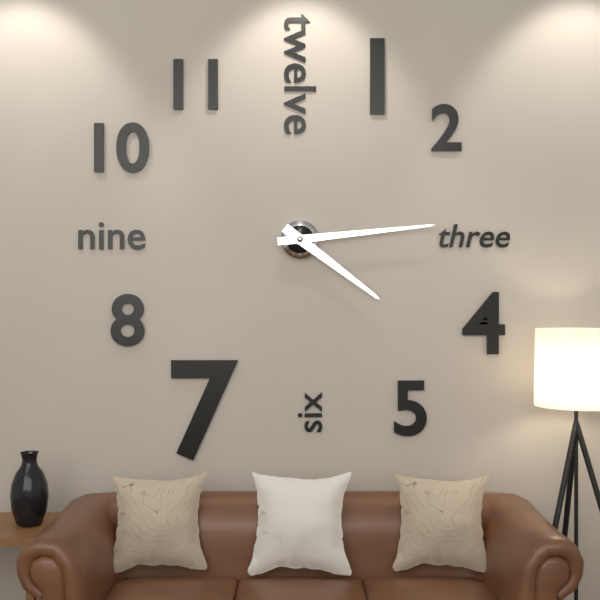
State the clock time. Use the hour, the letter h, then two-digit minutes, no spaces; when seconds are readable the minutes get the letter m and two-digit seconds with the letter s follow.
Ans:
4h14
